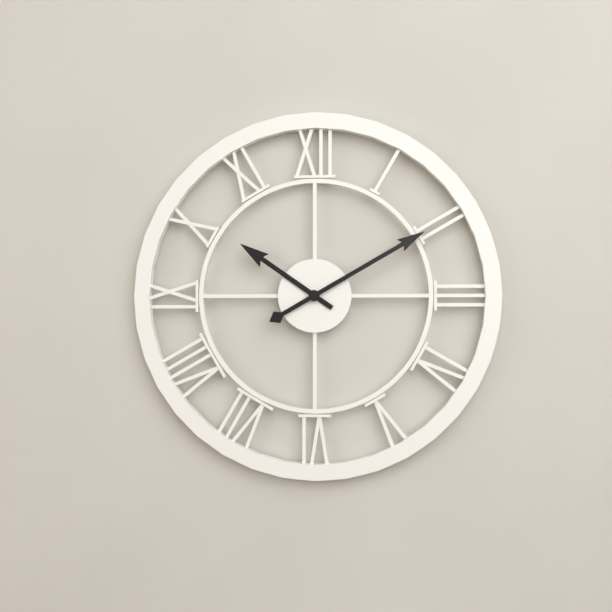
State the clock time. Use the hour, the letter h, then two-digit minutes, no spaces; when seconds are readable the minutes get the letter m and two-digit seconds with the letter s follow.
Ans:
10h10
